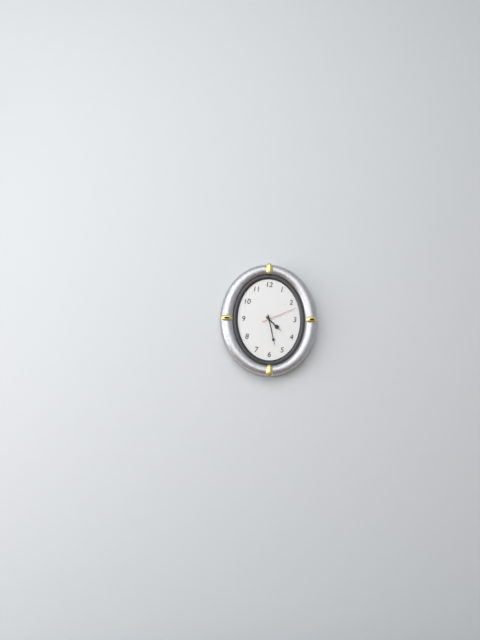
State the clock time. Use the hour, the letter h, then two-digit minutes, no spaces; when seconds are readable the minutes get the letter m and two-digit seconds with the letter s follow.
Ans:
4h28
